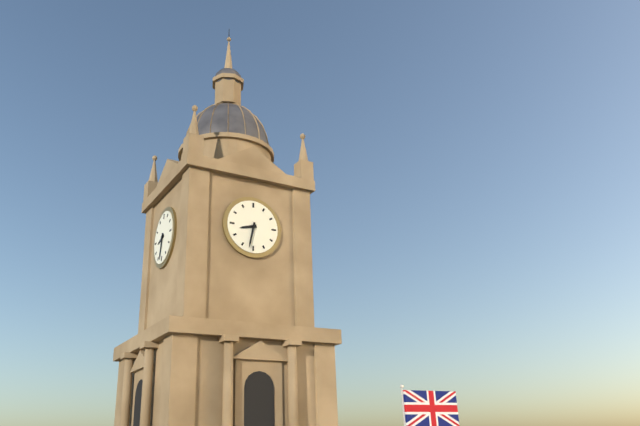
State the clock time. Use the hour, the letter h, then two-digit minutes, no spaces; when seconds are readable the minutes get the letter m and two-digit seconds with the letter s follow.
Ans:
8h32
